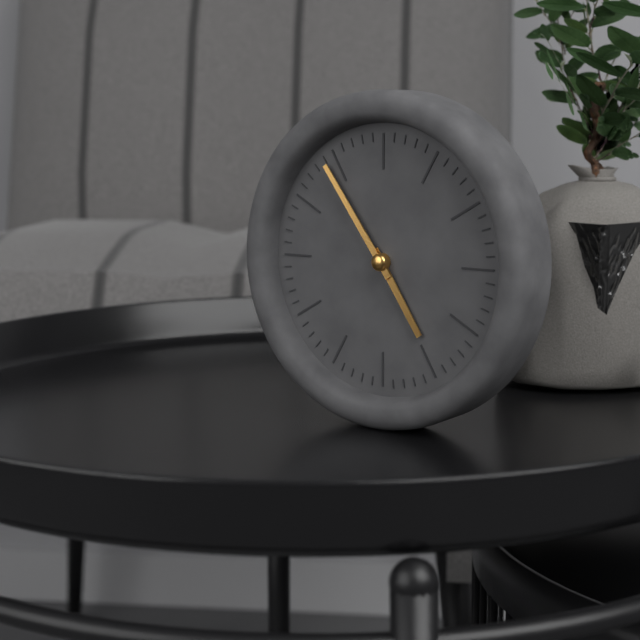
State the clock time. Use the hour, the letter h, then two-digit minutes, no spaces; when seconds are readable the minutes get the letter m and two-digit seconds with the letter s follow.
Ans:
4h54
